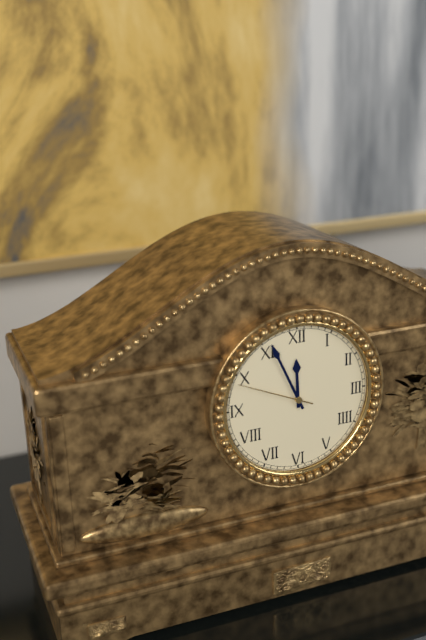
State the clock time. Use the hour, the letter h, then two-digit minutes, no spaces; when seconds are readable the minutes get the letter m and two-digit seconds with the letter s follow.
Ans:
11h56m49s
